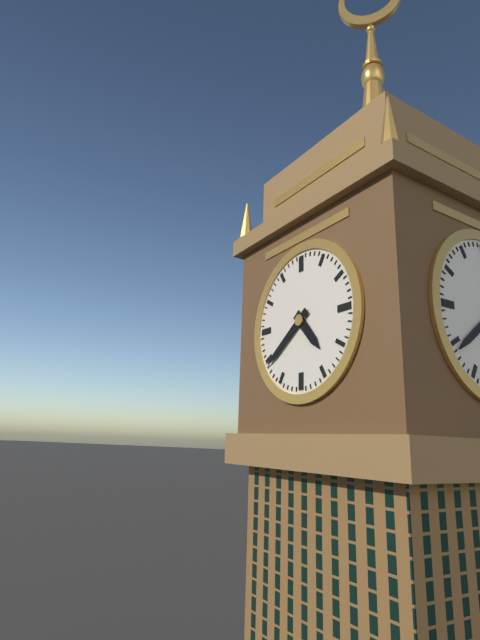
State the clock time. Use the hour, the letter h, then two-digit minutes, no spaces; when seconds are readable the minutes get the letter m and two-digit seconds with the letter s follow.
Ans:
4h39
